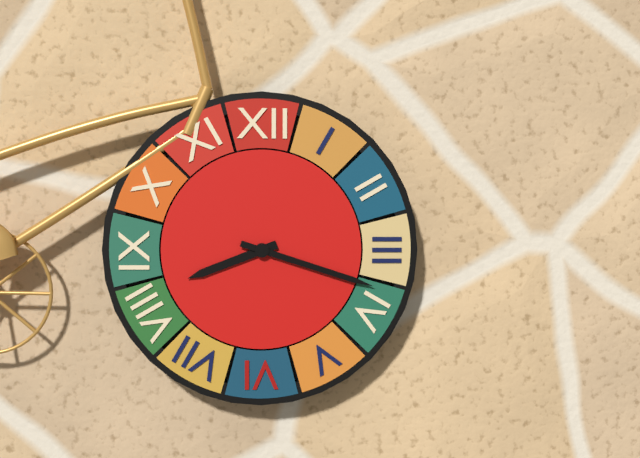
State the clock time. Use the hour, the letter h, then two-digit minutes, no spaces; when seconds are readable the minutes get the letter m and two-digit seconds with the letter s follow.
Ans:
8h18
